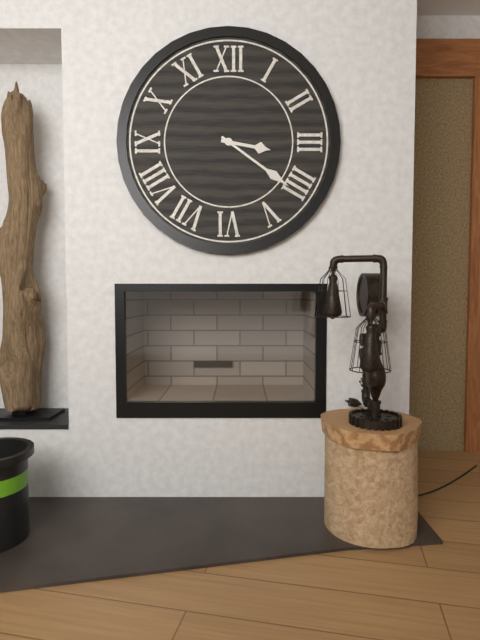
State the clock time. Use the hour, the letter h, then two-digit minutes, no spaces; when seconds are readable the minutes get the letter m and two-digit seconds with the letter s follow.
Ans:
3h21
